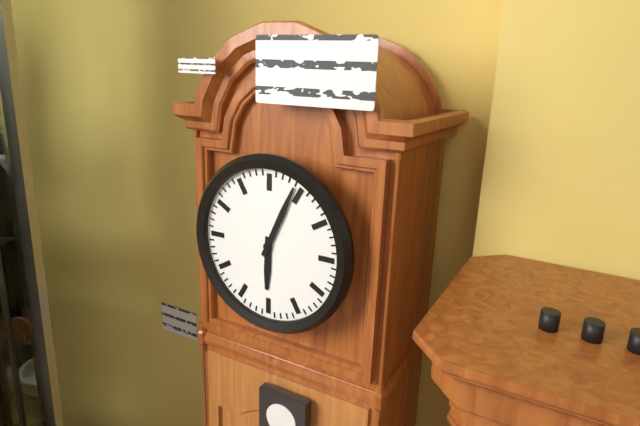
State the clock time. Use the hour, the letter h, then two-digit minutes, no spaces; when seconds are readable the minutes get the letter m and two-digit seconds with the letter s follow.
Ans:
6h04
